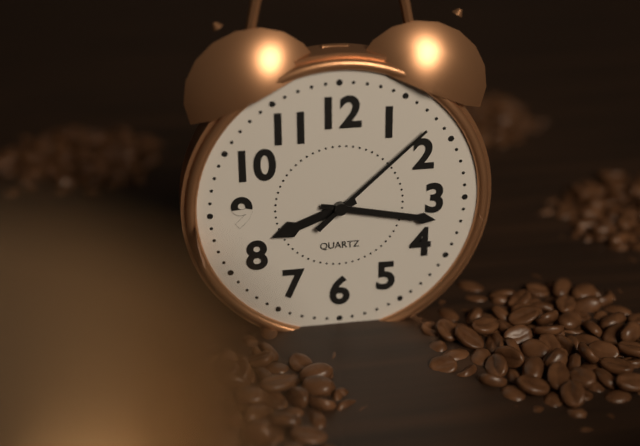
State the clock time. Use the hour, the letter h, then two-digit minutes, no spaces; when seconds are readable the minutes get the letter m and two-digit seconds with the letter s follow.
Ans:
8h17m08s
